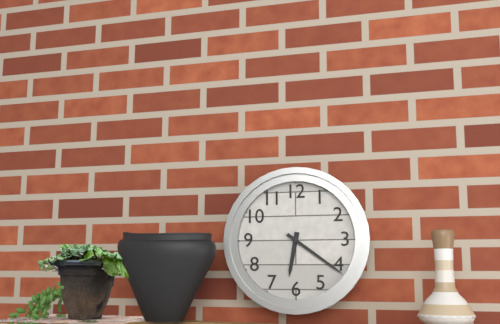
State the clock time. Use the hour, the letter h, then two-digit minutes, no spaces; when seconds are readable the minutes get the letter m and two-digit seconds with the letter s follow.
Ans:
6h21
